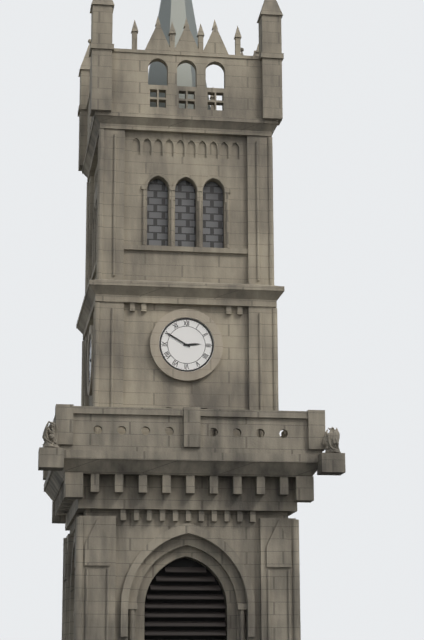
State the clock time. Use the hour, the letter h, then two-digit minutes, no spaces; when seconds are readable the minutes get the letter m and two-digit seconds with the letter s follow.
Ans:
2h50
